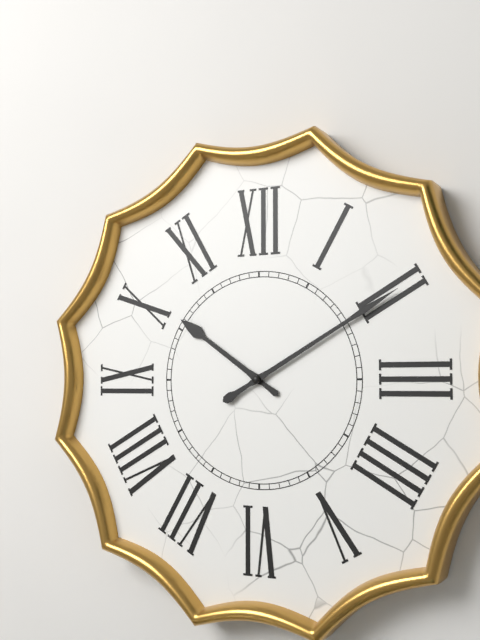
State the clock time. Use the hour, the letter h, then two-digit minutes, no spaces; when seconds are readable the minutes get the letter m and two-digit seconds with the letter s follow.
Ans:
10h10
